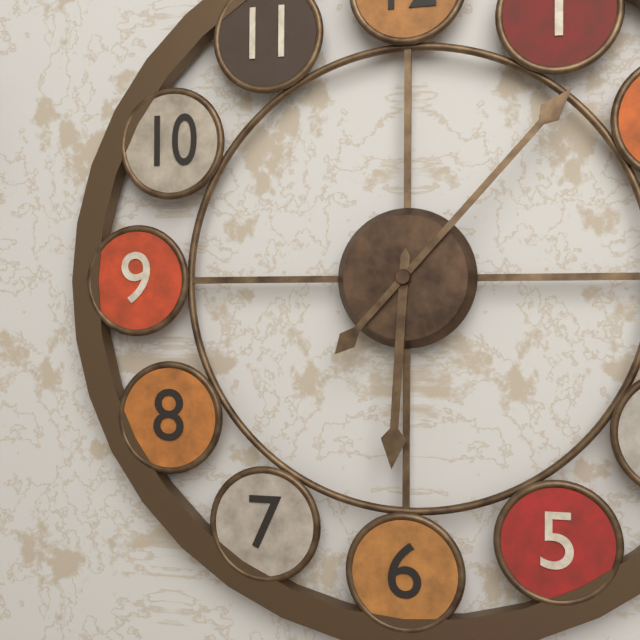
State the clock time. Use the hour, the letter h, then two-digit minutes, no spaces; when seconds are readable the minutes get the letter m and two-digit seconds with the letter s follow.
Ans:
6h07
